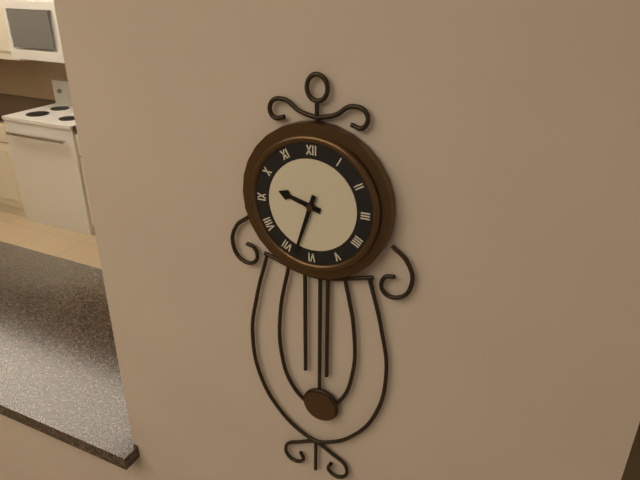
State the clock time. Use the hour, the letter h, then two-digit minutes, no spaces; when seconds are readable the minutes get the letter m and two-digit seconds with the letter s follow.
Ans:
9h33
